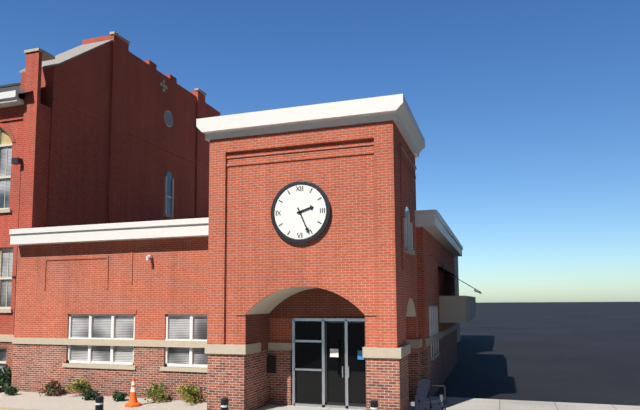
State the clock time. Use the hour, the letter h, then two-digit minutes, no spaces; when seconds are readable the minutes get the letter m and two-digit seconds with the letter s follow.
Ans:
2h26
